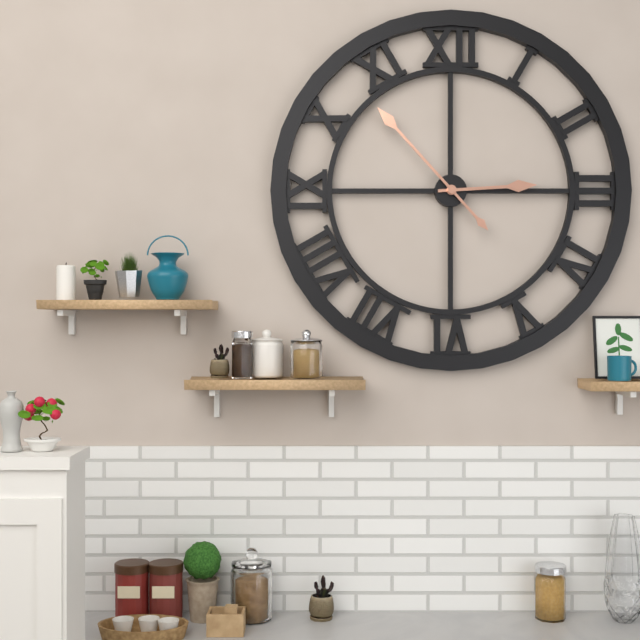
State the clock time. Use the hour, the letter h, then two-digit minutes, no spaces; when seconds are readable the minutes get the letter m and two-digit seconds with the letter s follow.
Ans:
2h53
